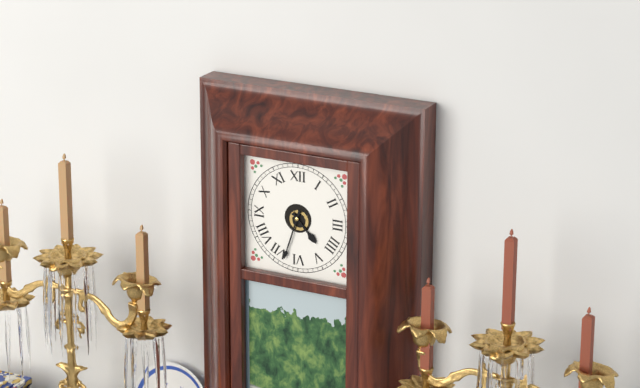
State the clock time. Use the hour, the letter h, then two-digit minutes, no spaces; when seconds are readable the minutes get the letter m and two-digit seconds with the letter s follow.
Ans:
4h33
